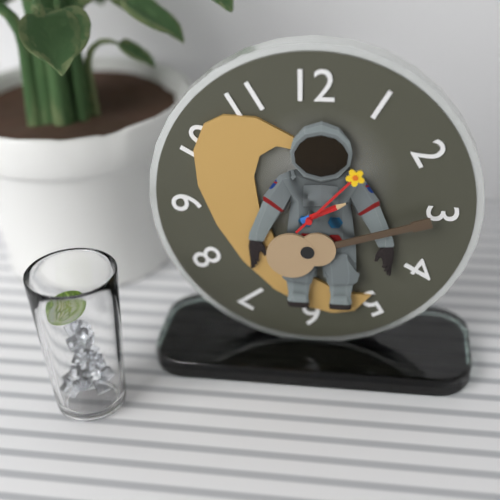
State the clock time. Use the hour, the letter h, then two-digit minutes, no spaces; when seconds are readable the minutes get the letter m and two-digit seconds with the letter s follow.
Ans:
2h07
